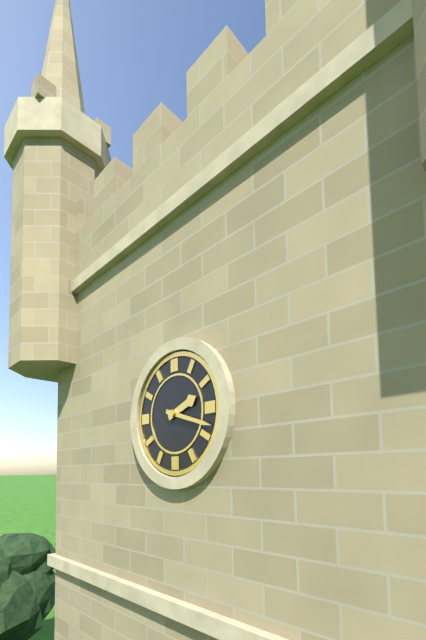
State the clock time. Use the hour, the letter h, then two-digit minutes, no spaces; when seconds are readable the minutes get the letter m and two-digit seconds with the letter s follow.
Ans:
2h18
